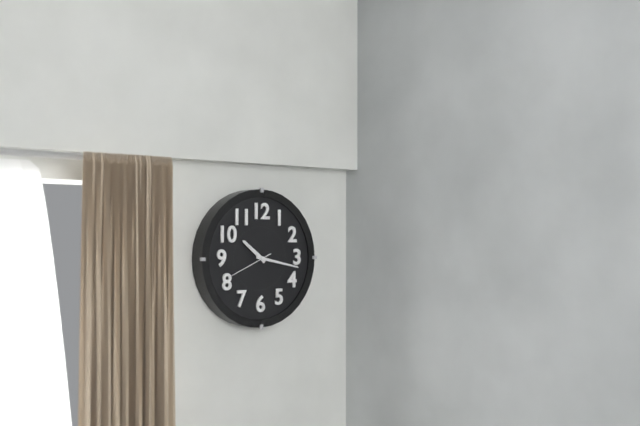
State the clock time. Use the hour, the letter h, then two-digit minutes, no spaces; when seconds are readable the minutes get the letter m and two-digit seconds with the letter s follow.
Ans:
10h17
